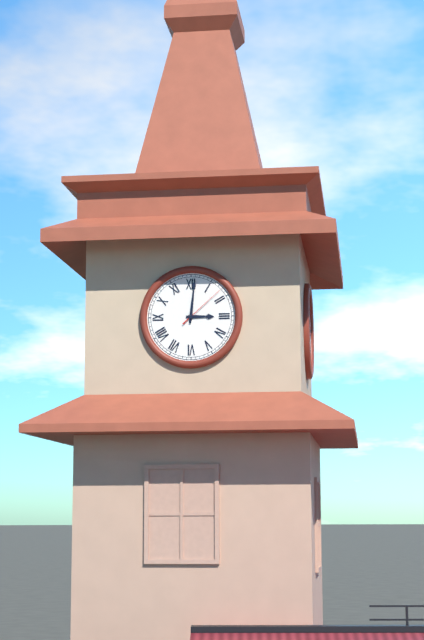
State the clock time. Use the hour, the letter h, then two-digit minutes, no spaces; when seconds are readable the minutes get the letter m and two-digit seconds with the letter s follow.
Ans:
3h01m08s
